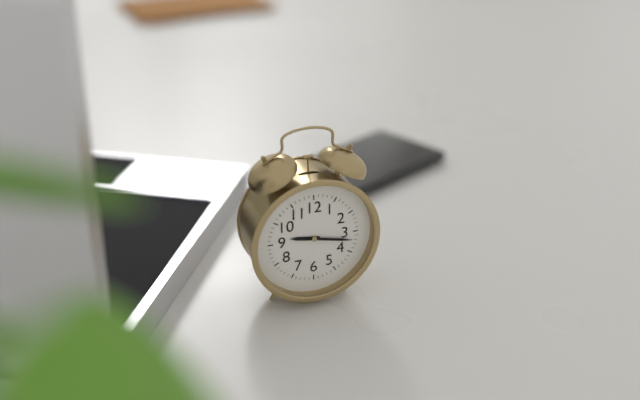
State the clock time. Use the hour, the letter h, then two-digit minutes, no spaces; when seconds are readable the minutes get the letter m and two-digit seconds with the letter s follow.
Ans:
9h17
